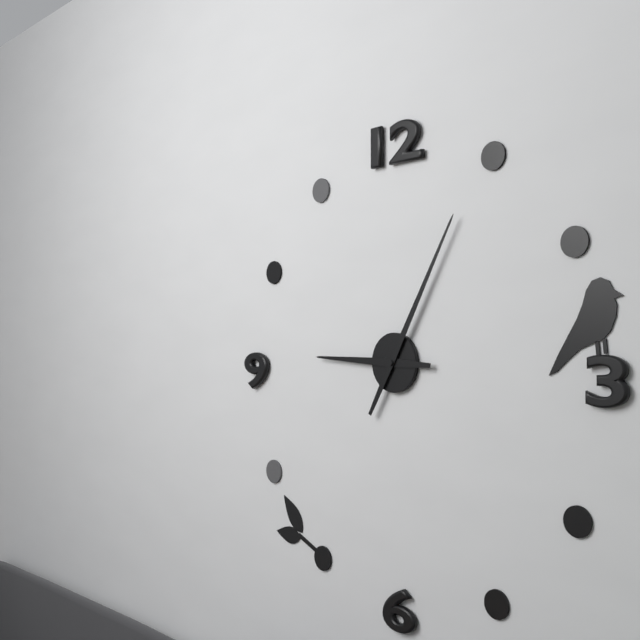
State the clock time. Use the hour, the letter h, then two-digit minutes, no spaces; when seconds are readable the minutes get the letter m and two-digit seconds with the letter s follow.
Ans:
9h05
